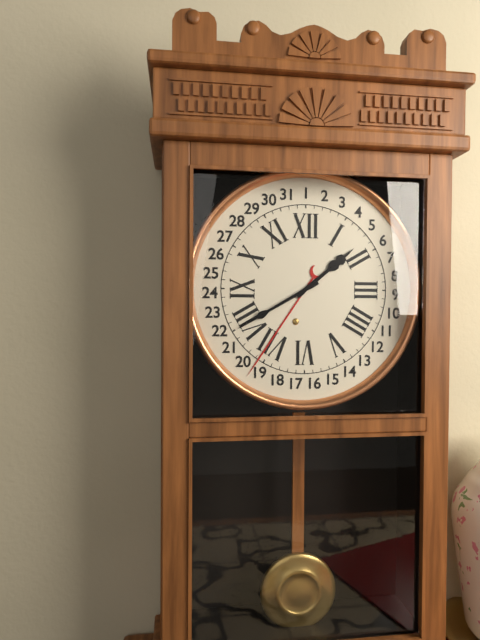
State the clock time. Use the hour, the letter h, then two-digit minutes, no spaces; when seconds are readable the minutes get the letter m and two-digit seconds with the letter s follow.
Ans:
1h40
